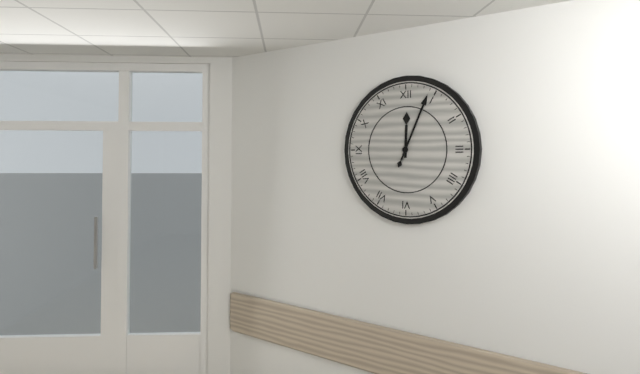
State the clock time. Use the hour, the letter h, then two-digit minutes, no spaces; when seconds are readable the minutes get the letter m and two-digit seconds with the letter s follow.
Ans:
12h04
